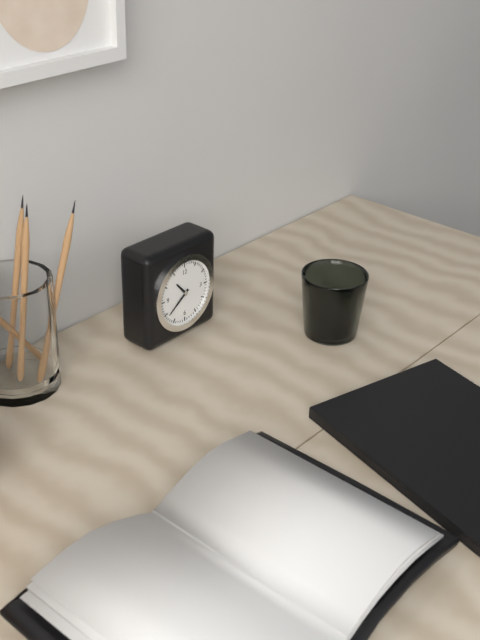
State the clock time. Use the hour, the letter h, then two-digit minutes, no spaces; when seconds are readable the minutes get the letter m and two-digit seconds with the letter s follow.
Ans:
10h39
